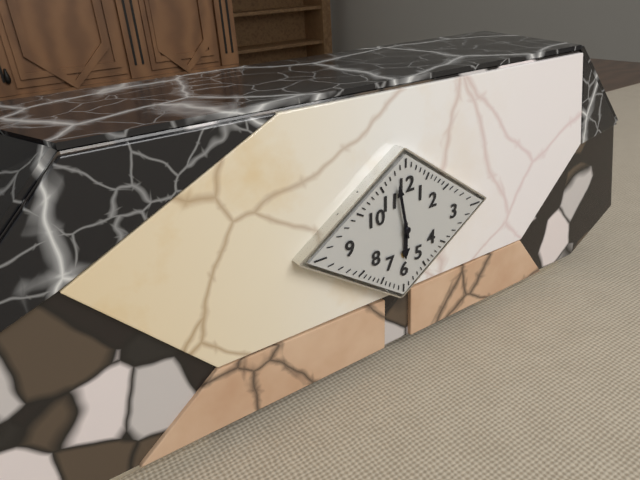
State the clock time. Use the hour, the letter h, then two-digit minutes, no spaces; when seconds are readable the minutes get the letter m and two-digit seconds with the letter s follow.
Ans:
5h58
